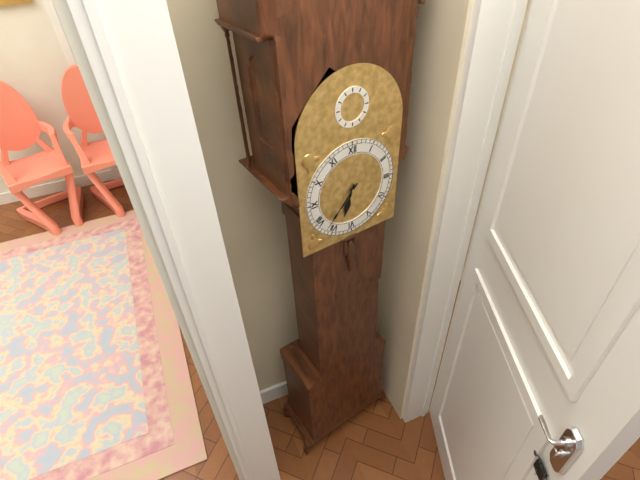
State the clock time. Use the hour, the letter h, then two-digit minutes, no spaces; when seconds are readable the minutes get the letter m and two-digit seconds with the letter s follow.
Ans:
6h37
